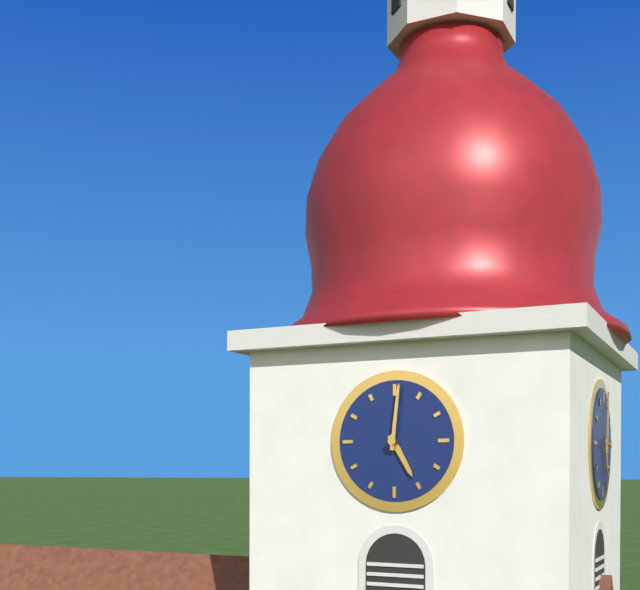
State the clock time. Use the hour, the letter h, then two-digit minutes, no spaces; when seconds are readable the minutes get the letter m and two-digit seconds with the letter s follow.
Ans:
5h01
